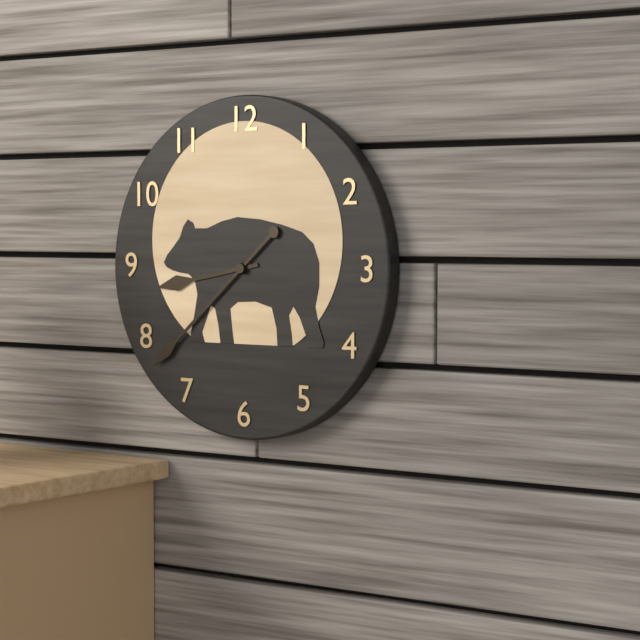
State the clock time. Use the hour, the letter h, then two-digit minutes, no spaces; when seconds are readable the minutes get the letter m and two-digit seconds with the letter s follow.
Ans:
8h38
